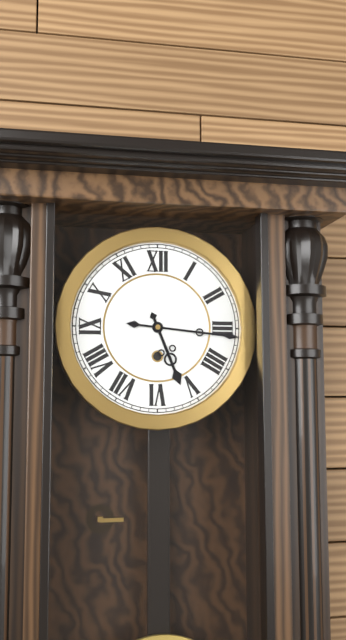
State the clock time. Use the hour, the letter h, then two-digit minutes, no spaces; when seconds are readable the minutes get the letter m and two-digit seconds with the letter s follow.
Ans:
5h16
